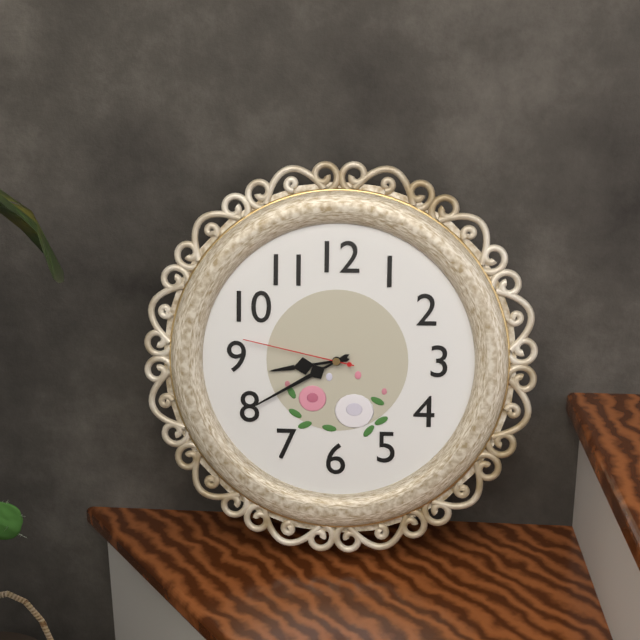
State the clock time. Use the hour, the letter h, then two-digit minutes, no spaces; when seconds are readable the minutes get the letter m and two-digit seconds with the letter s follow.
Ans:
8h40m47s
